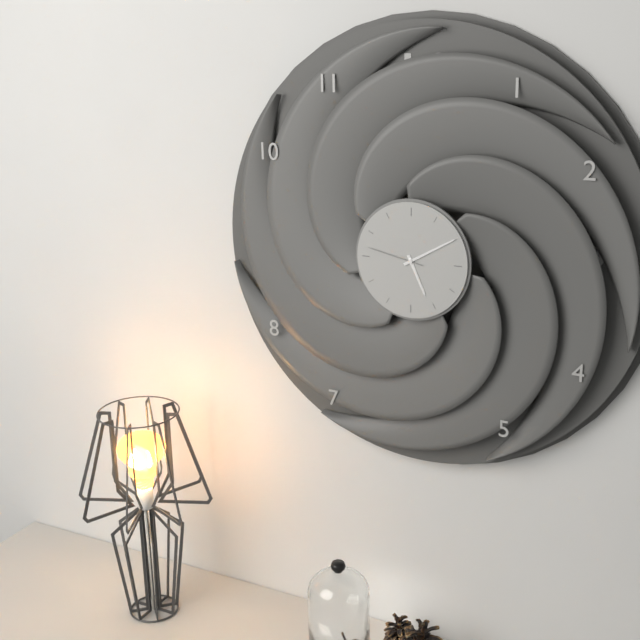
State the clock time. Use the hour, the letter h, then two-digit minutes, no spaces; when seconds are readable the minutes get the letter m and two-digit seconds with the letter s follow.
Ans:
5h10m47s
